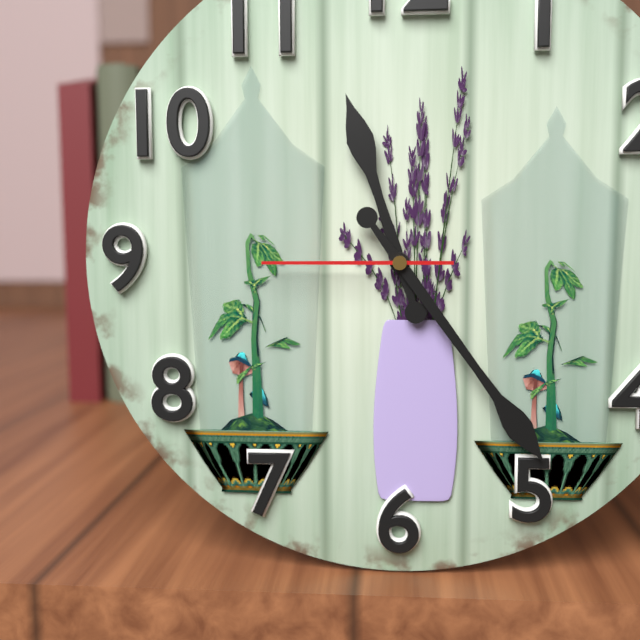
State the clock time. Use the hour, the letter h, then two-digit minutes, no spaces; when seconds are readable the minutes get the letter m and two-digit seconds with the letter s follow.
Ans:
11h24m45s
